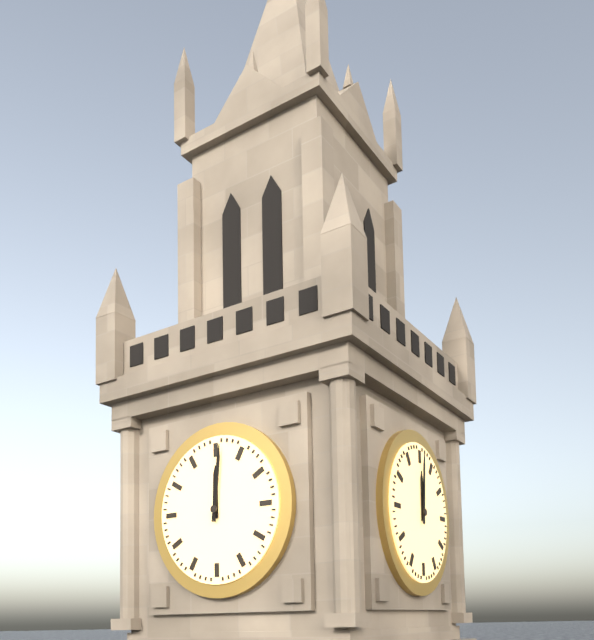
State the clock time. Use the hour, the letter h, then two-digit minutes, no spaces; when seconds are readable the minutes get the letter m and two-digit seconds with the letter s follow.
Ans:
12h01
